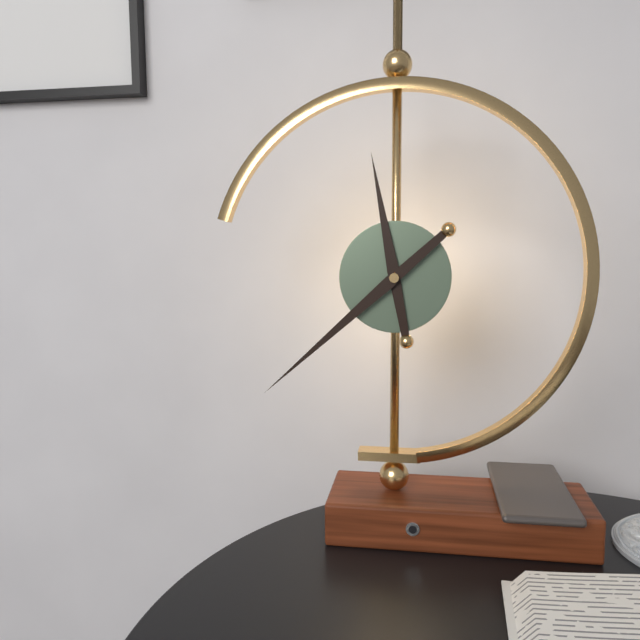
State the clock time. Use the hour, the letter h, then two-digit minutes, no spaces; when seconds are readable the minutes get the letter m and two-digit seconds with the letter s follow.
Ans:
11h38
